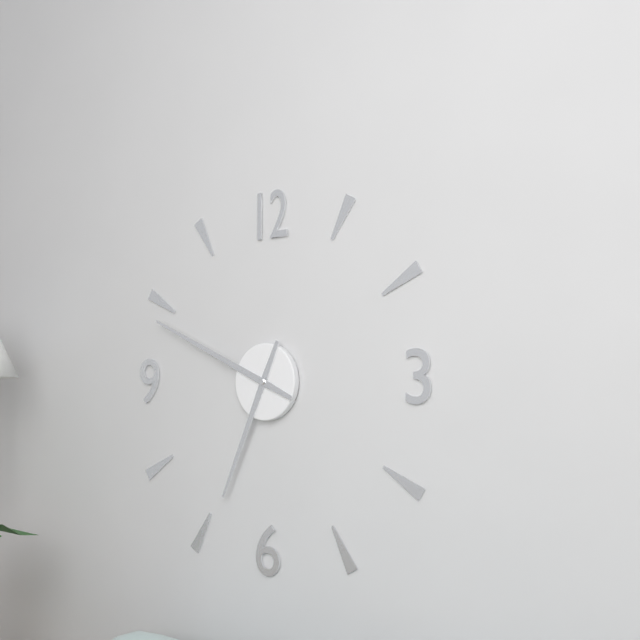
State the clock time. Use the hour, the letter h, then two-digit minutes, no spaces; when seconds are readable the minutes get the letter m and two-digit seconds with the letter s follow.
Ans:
6h49
